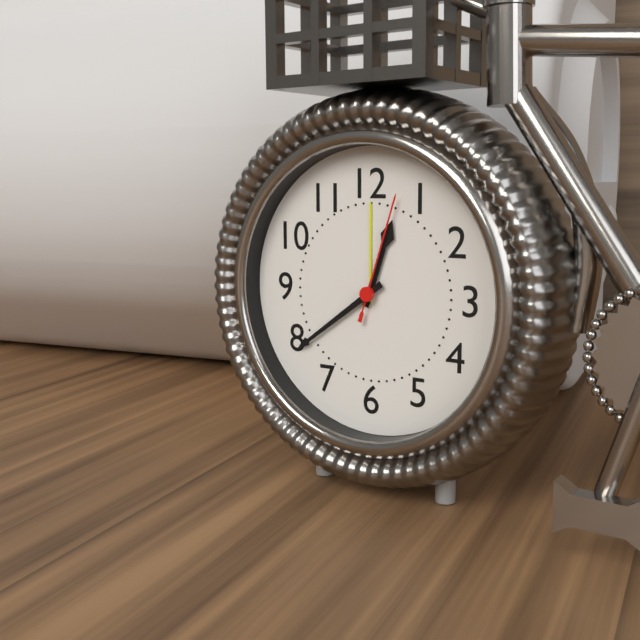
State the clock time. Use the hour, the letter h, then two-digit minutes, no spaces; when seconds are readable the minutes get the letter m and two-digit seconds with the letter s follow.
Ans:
12h39m03s
